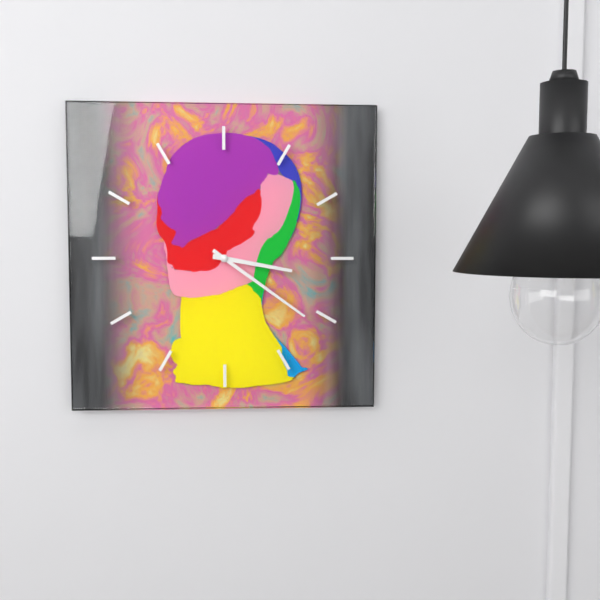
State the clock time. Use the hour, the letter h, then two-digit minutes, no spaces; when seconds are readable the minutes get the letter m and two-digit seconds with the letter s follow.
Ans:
3h21
